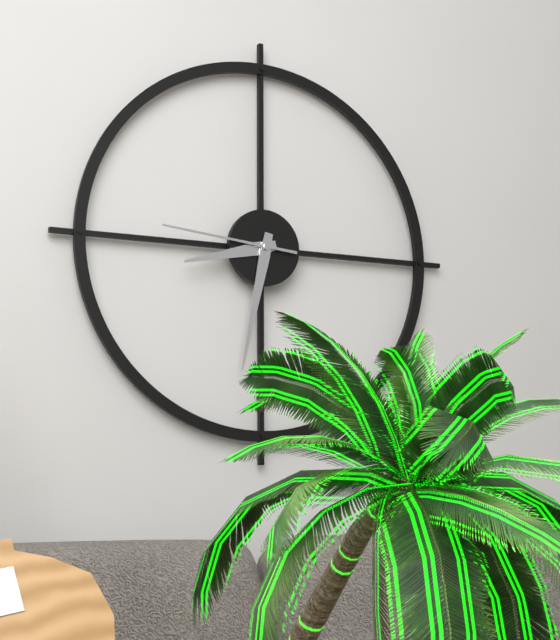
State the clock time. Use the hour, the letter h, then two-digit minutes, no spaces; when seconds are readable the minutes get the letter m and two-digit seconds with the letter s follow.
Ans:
8h32m46s
